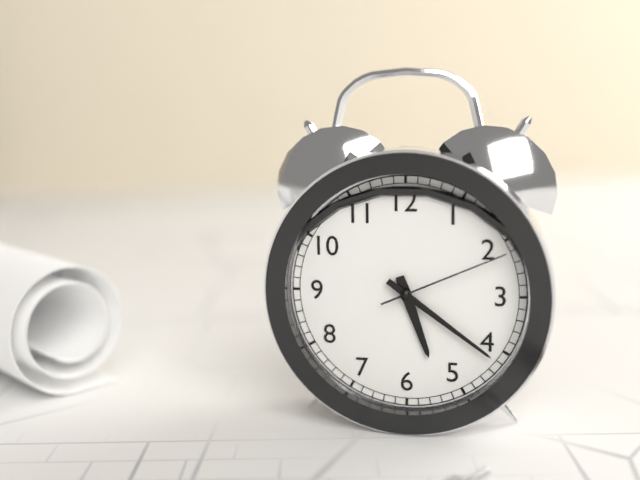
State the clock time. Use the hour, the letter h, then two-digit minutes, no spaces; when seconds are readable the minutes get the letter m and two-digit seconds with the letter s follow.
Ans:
5h21m11s
